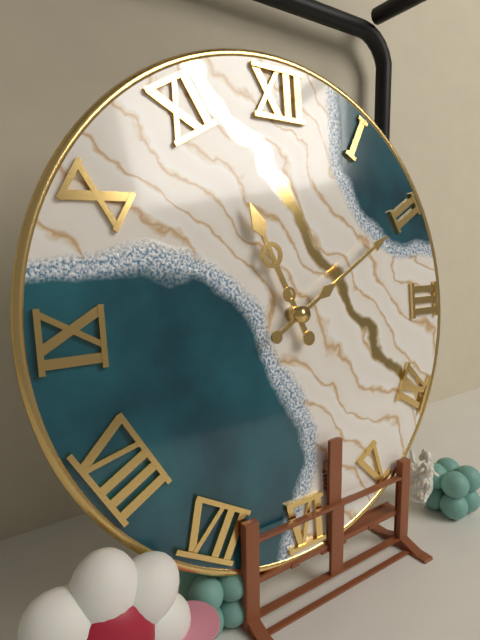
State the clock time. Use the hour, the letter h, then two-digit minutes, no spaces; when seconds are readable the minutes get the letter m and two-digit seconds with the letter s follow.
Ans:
11h10
